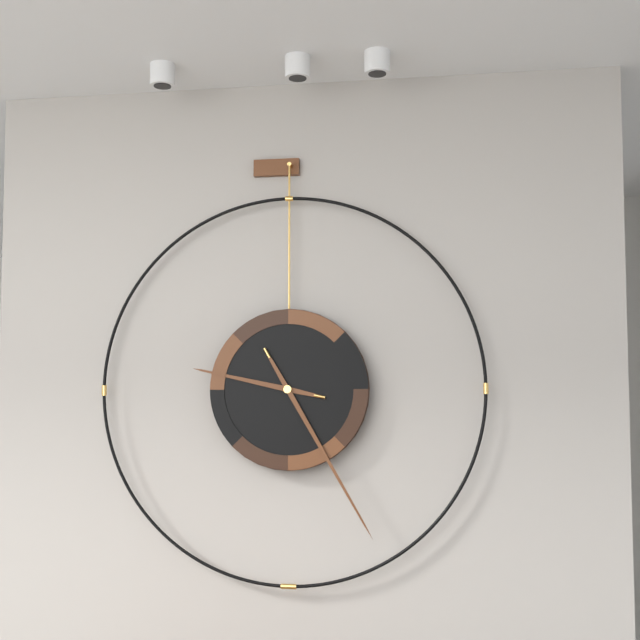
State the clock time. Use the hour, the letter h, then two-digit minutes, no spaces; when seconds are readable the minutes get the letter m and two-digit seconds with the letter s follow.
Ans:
9h25
